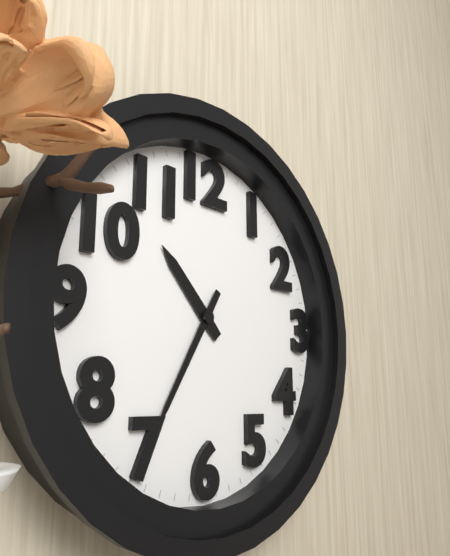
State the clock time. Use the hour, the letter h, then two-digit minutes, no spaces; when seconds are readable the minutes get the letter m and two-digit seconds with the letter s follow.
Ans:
10h35
